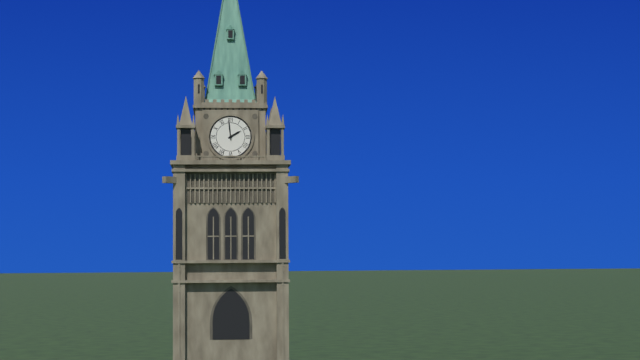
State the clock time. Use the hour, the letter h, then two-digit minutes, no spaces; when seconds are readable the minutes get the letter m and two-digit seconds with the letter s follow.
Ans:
1h59
